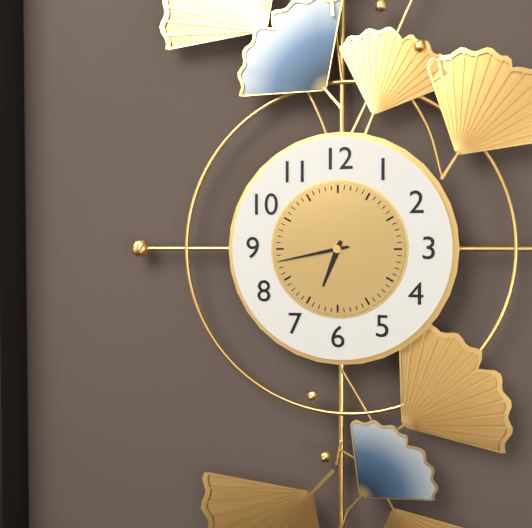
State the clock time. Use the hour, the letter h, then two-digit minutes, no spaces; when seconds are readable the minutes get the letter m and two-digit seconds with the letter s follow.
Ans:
6h43
